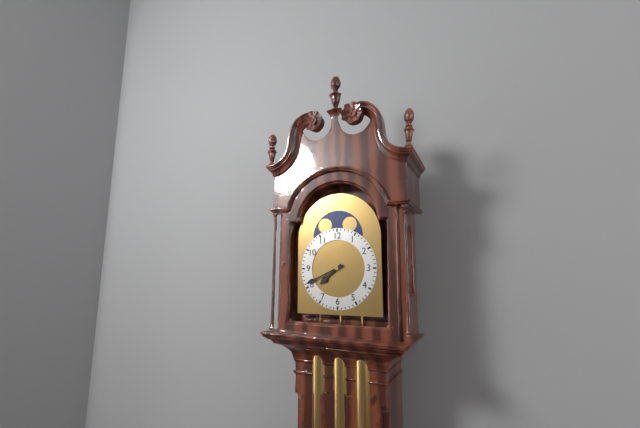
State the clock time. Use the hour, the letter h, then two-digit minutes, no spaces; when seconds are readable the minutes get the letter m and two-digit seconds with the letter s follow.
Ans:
7h41
